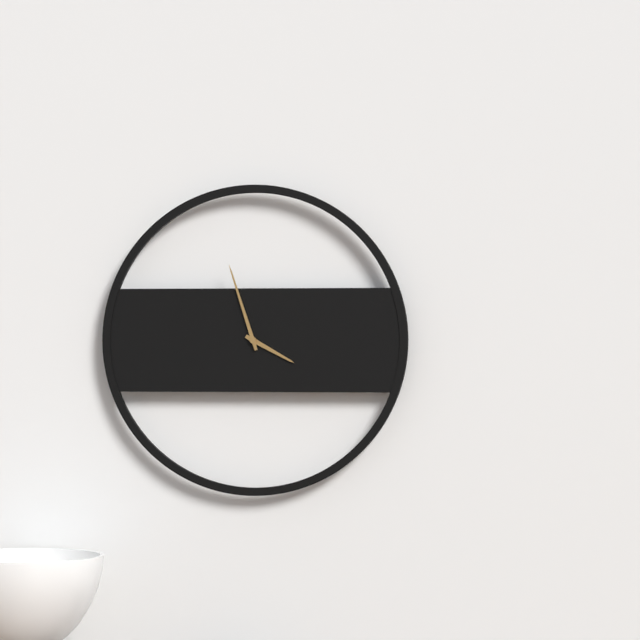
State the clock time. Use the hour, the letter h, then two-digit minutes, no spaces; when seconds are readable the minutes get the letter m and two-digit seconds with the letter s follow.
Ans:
3h57
